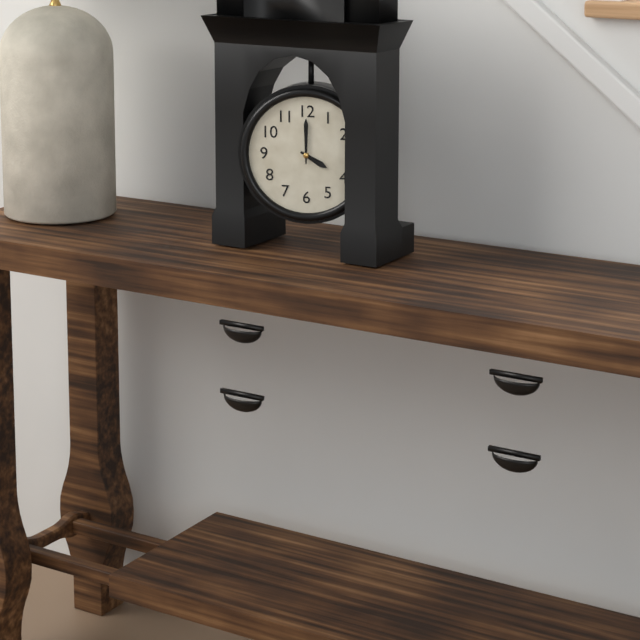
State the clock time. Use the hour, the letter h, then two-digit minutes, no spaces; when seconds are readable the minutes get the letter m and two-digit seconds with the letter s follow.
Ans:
4h00
